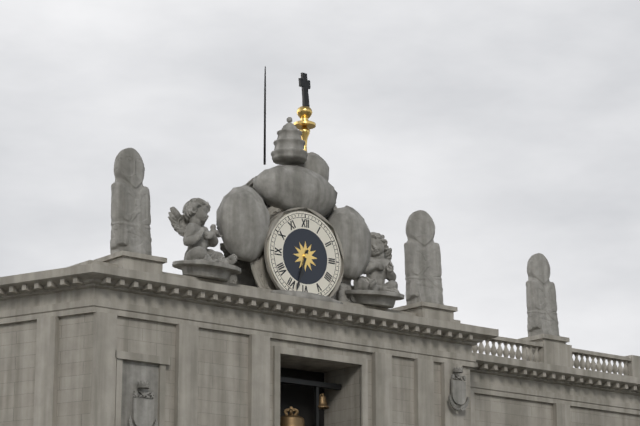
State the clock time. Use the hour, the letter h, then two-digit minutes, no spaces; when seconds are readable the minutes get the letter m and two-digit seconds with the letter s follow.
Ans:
6h33
